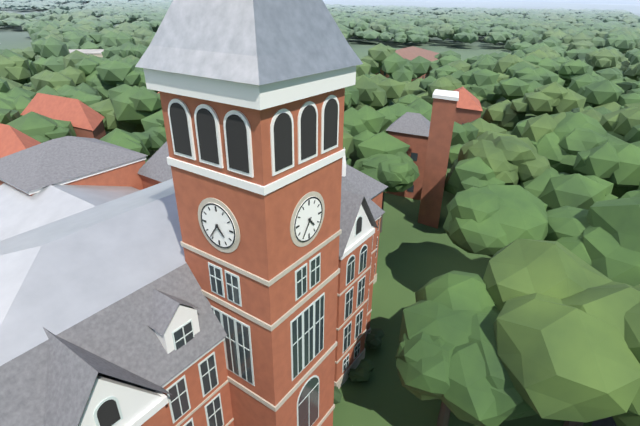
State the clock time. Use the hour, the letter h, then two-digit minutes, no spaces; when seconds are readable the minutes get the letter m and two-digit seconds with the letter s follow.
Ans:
4h36
